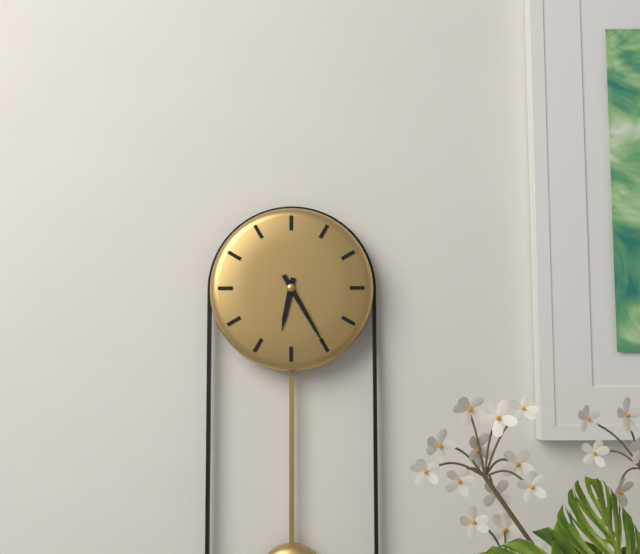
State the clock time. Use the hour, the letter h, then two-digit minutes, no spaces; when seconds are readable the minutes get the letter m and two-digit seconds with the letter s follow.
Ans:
6h25
